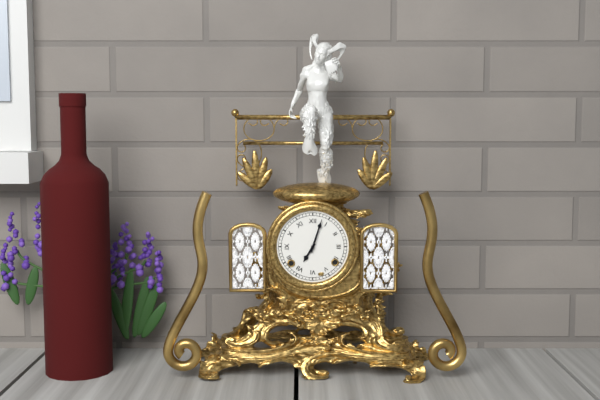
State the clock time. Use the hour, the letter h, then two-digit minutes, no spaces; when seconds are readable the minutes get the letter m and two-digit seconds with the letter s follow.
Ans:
7h03
